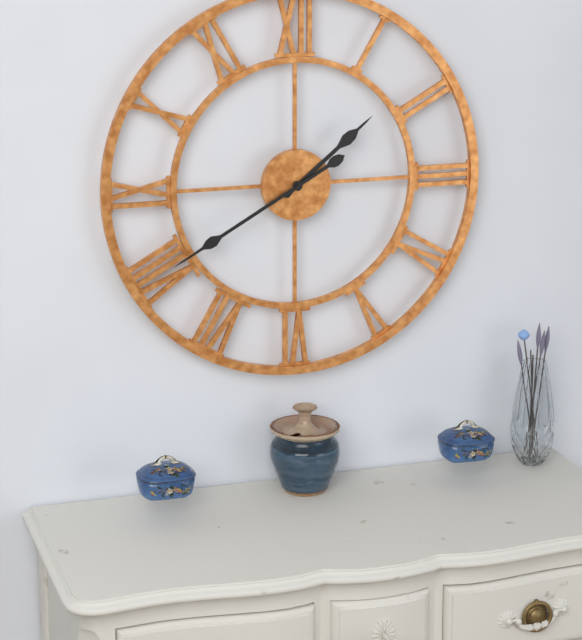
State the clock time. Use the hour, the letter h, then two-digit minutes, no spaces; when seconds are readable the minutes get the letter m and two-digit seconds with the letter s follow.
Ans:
1h40
